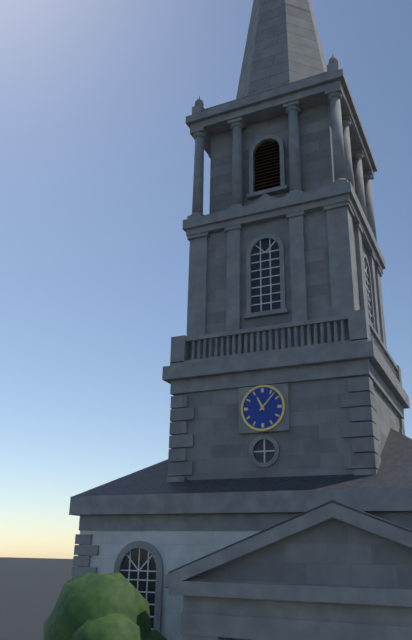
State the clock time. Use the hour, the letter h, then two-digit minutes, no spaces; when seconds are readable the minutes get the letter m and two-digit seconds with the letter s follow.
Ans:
11h07
